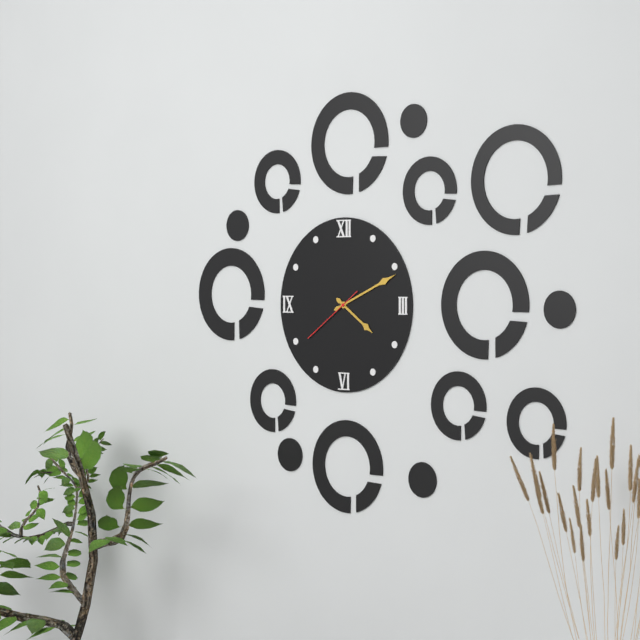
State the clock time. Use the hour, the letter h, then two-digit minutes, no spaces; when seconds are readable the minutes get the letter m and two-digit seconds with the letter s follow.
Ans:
4h11m39s
